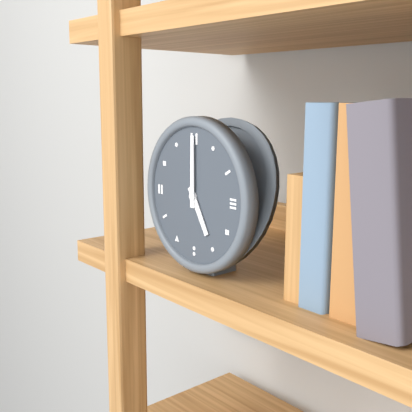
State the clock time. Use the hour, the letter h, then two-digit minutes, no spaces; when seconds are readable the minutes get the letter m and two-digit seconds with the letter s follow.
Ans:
5h00
